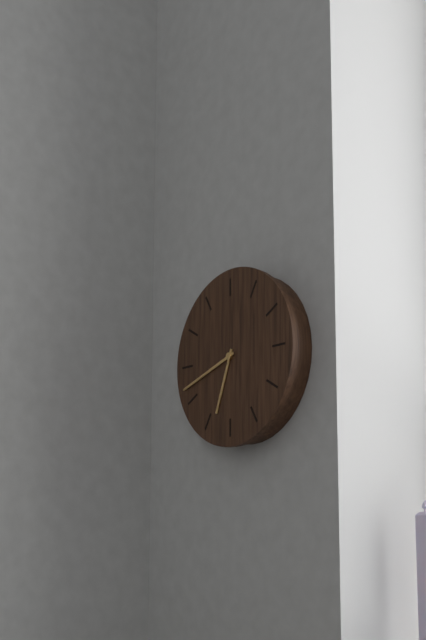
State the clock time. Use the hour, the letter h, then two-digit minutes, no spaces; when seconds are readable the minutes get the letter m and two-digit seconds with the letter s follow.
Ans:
6h42
